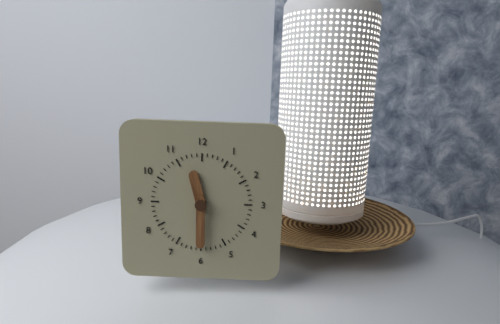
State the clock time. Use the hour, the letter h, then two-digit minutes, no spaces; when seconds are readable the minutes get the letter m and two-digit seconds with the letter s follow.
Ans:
11h30
